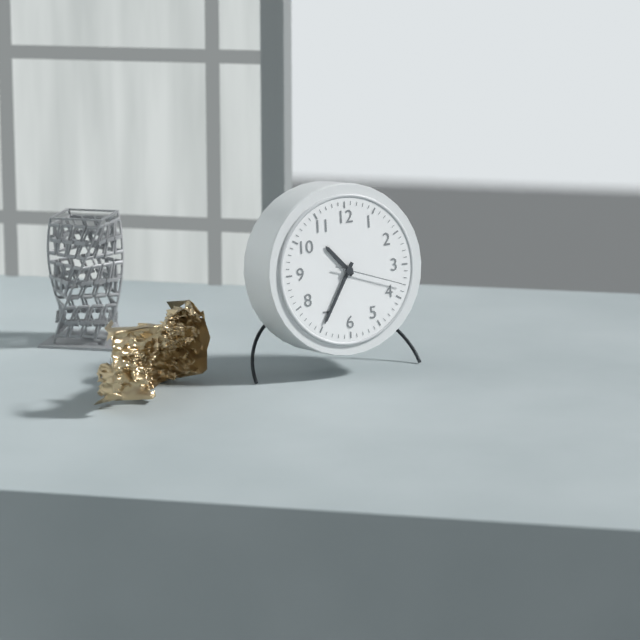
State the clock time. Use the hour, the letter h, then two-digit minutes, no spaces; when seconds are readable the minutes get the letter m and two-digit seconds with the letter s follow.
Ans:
10h35m18s
